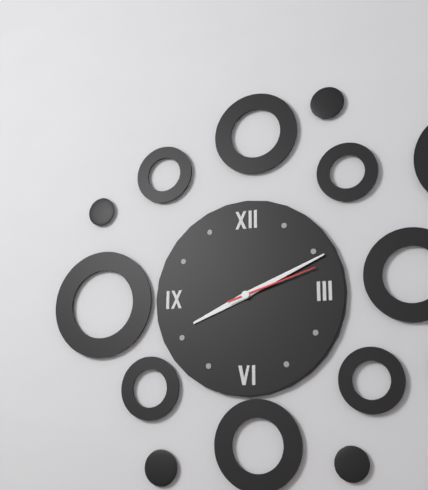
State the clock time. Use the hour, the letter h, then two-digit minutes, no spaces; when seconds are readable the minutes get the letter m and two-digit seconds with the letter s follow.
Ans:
8h11m12s
